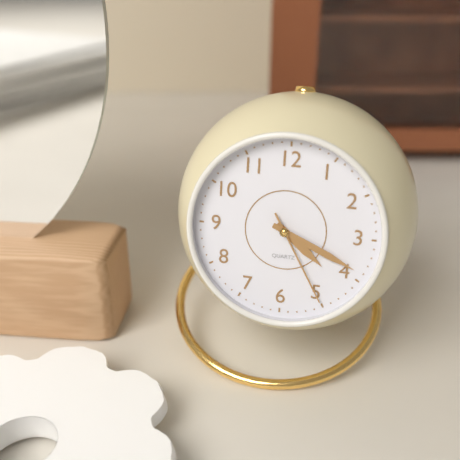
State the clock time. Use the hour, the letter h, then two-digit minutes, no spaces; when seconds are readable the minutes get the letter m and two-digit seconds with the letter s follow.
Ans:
4h19m25s
